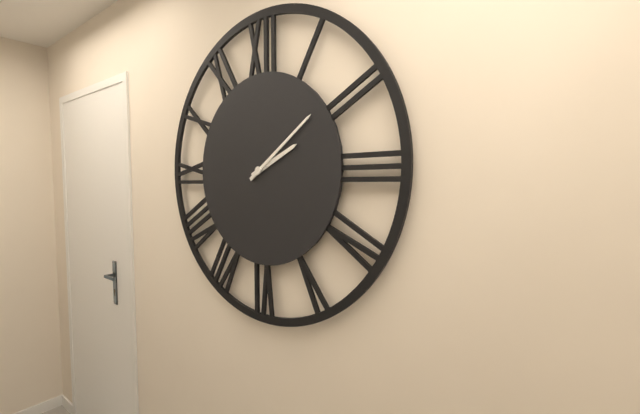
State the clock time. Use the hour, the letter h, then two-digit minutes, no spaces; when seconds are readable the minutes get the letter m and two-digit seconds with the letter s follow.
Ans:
2h09
